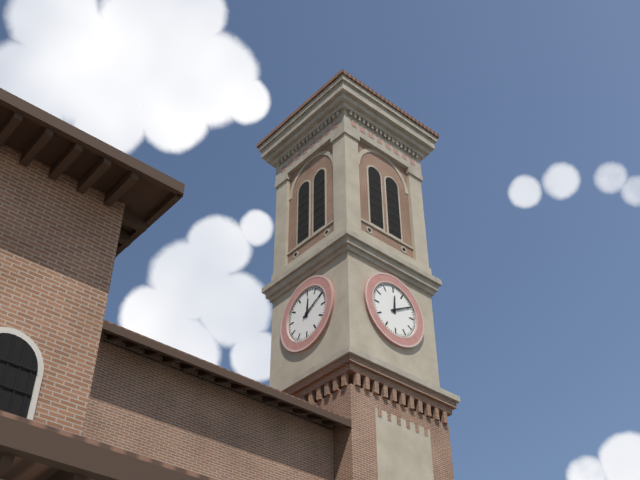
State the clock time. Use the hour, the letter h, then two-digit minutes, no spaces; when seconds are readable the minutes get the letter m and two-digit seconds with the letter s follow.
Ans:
12h10
